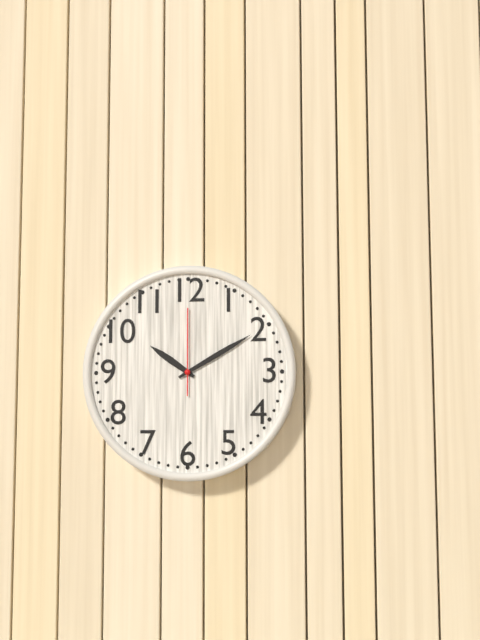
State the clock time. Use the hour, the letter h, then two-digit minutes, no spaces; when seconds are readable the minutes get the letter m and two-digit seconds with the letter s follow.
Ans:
10h10m00s
